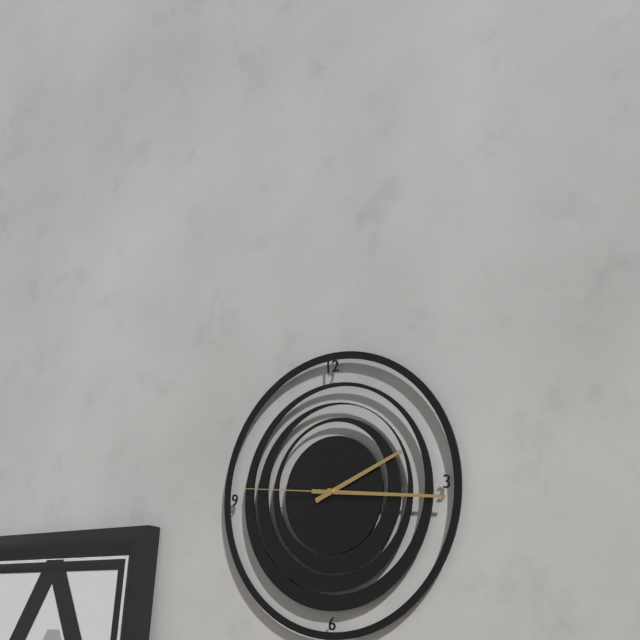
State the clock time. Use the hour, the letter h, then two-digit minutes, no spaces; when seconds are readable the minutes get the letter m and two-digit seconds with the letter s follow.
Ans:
2h16m46s
